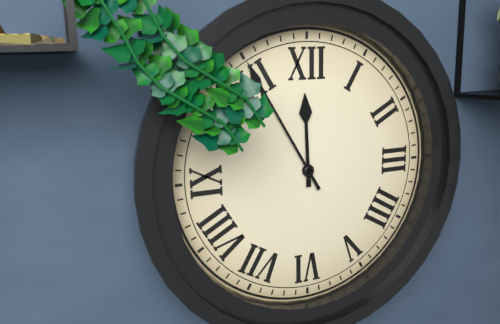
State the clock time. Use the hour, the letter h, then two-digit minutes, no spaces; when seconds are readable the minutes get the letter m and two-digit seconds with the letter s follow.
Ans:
11h55
